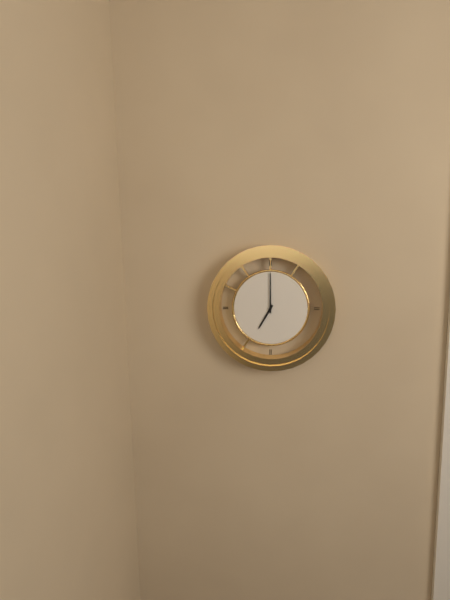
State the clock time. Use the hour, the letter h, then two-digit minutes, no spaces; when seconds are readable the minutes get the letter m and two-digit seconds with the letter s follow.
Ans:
7h00
